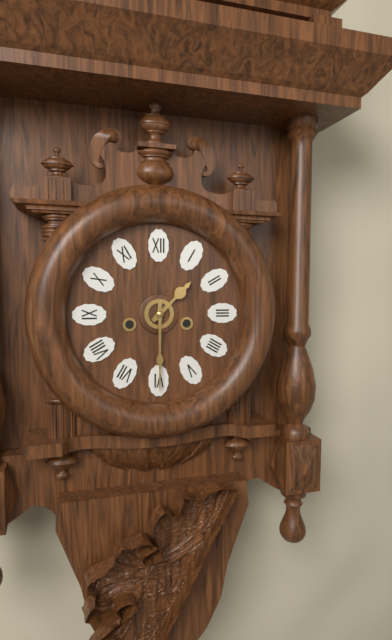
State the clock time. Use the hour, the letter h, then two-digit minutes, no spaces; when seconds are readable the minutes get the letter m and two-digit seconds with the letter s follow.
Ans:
1h30
